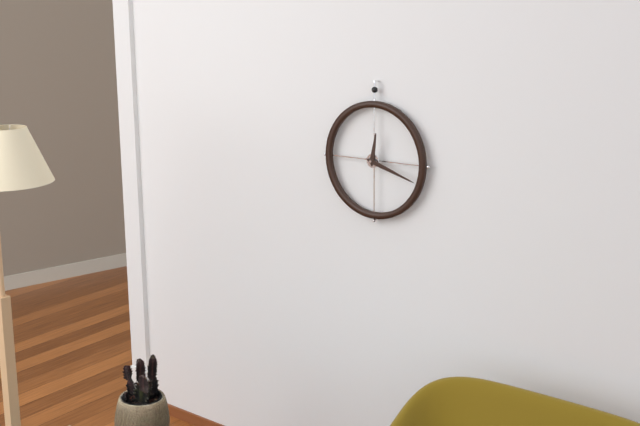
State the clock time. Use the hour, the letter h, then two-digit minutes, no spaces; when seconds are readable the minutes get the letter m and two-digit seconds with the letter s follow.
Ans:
12h18
